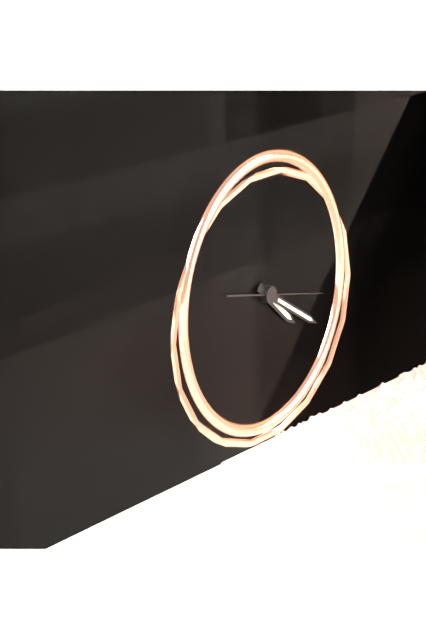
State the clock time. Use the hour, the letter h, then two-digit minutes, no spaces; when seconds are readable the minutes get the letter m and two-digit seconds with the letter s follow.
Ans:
4h20m17s
